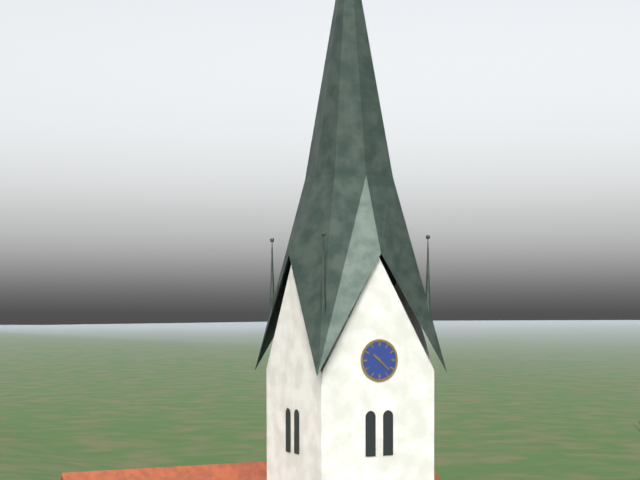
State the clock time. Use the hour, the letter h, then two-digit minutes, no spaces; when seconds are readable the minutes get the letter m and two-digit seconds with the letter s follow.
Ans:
10h22
